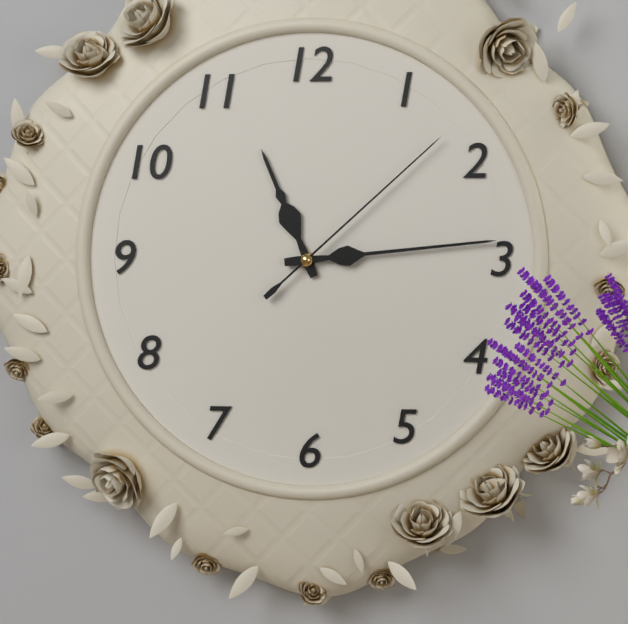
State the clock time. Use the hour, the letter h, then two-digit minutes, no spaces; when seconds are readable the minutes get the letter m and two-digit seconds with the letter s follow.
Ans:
11h14m08s
